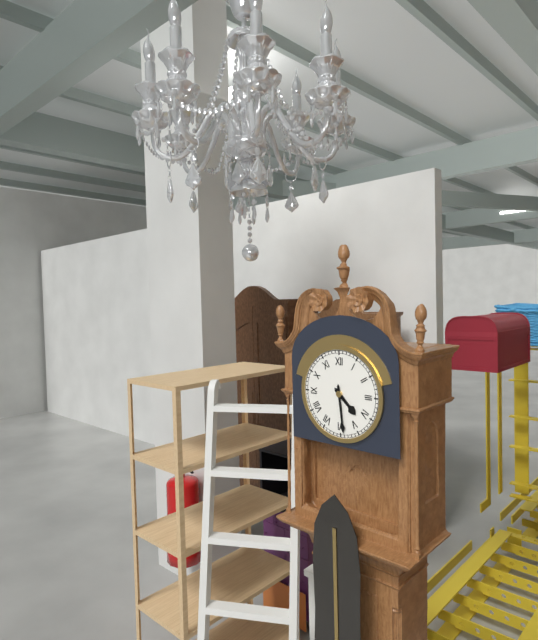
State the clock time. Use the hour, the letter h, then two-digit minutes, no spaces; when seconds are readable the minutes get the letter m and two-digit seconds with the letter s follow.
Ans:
4h29
